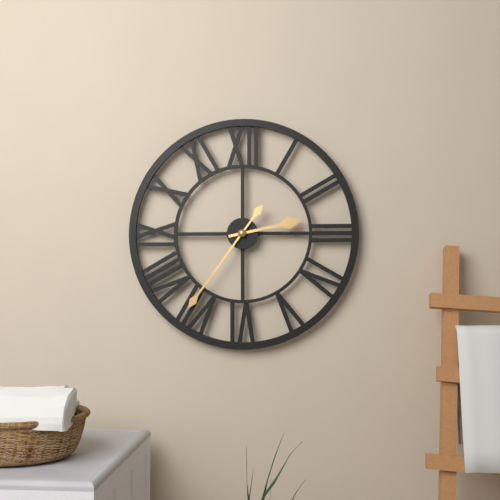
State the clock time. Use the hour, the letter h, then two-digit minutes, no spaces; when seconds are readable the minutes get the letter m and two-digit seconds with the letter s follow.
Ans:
2h36
